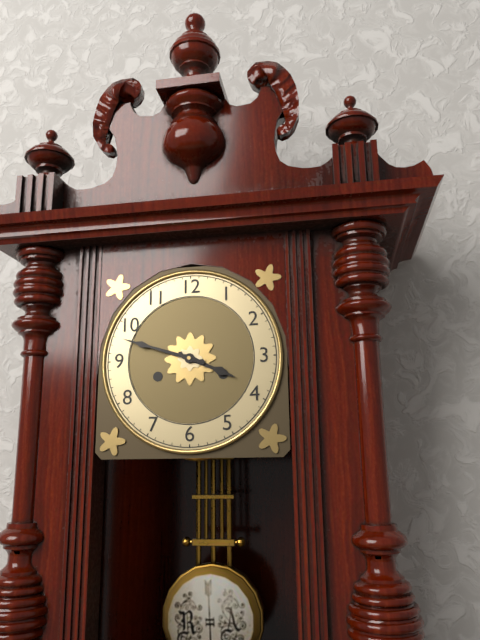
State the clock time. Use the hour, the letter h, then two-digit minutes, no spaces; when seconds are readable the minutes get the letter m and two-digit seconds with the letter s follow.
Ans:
3h48
